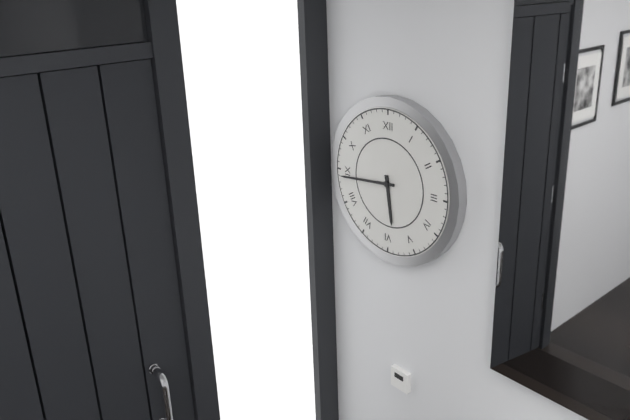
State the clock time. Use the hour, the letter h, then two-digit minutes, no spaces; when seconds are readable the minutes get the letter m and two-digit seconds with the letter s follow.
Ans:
5h44
